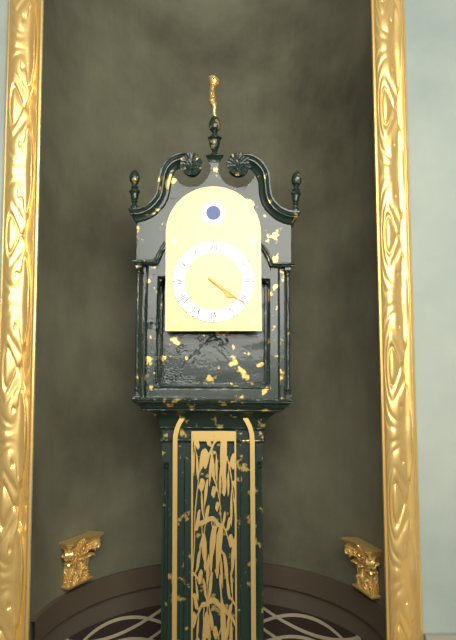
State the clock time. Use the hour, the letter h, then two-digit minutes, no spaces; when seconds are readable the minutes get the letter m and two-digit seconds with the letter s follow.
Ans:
4h21
